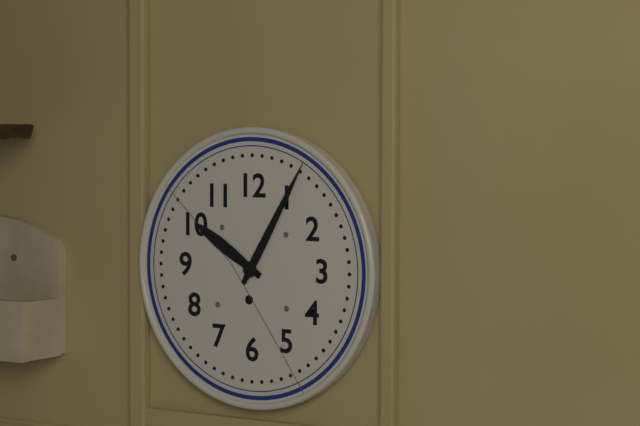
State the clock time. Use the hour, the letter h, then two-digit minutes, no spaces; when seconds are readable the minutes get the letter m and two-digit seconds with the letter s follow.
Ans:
10h05
